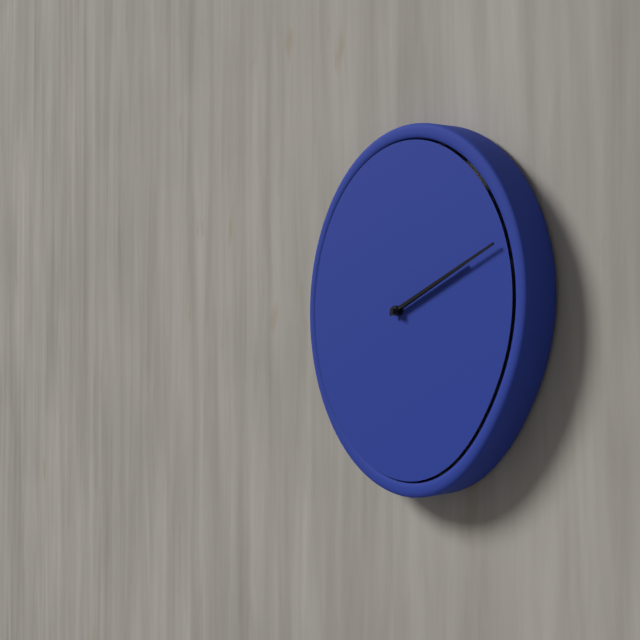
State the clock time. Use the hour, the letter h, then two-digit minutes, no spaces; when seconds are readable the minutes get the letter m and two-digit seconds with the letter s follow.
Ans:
2h11
